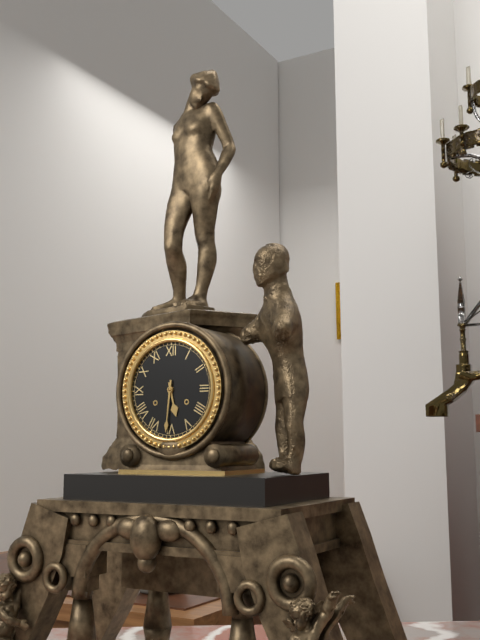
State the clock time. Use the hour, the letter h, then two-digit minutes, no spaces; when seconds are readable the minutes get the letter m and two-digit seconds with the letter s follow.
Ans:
5h31
